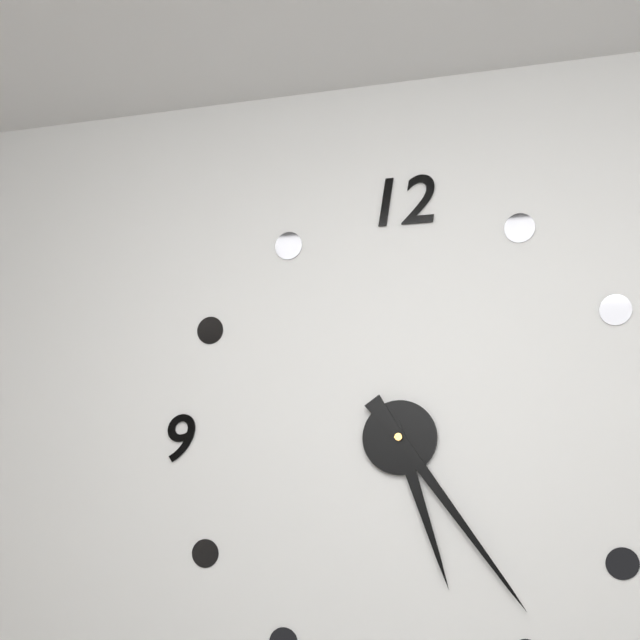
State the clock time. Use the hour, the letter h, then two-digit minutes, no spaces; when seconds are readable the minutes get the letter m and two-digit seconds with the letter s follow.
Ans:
5h24
